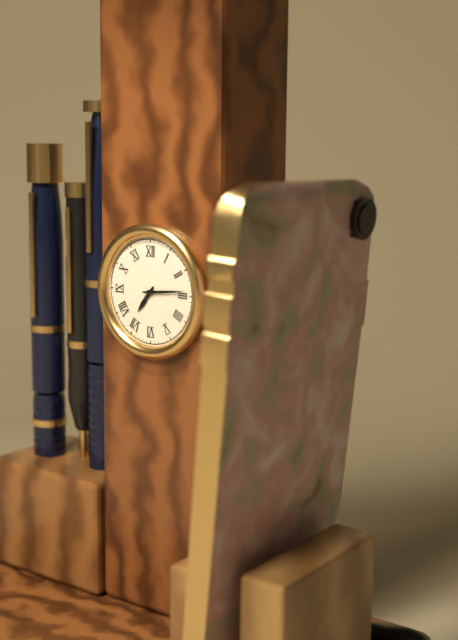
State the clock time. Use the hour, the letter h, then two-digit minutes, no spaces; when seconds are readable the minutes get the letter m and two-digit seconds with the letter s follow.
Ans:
7h14
